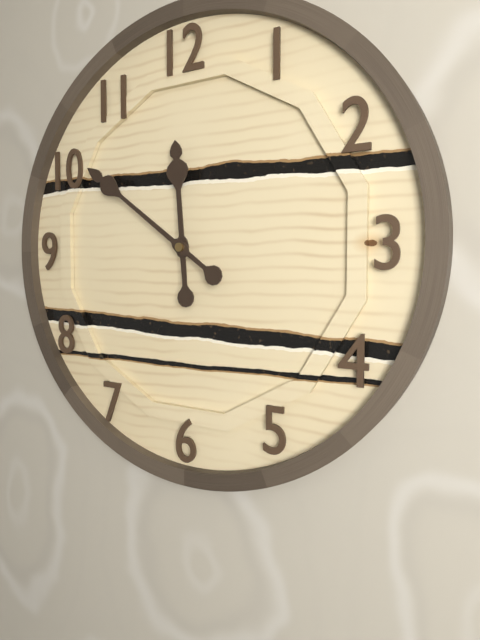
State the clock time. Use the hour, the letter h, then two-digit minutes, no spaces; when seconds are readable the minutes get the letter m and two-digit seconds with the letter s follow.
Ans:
11h51
